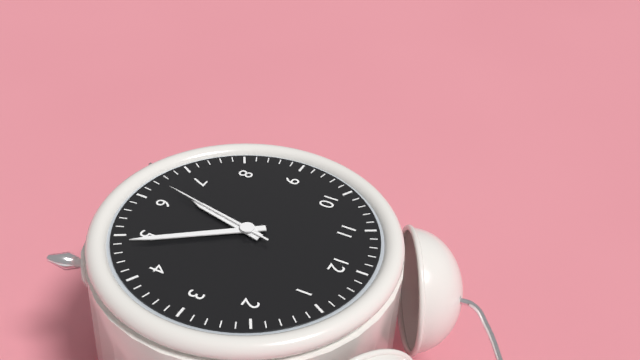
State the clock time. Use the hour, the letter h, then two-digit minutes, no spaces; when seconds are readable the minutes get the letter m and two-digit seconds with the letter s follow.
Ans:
6h24m32s
